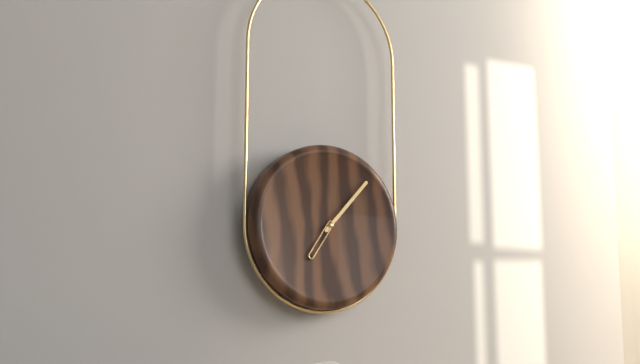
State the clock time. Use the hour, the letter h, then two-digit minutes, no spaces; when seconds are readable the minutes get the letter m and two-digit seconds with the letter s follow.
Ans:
7h07
